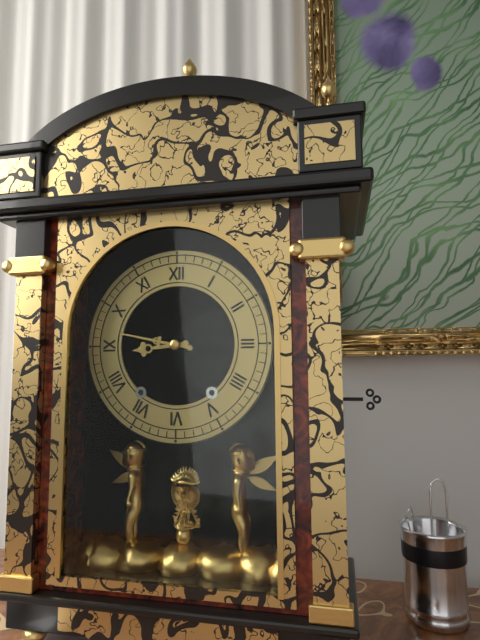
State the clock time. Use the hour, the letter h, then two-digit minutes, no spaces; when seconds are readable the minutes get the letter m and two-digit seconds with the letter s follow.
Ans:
8h47
